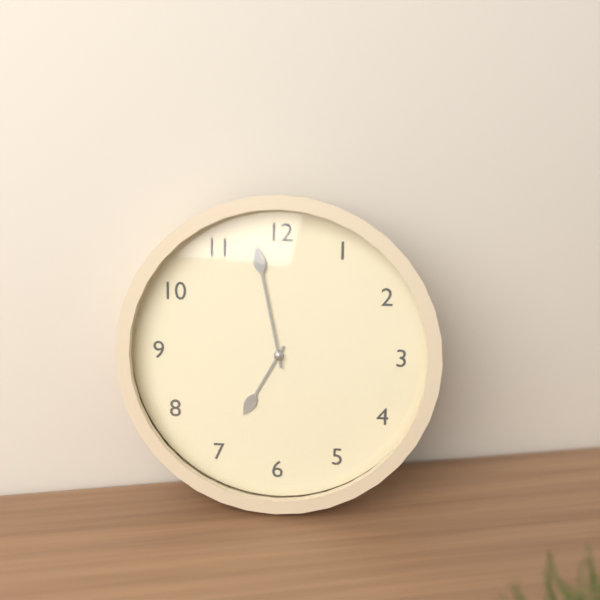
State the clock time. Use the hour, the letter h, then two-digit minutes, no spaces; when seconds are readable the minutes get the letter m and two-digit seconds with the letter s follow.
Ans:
6h58
